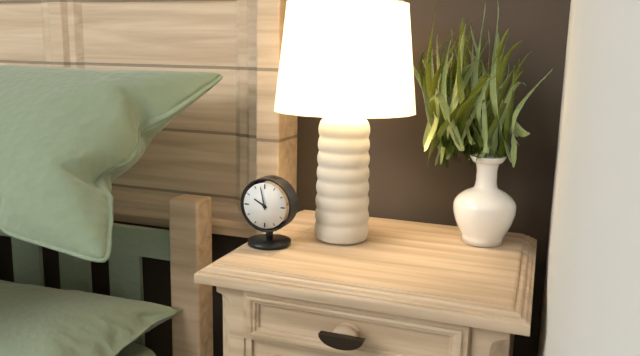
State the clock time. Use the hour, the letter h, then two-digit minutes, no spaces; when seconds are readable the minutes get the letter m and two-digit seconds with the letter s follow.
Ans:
9h58
